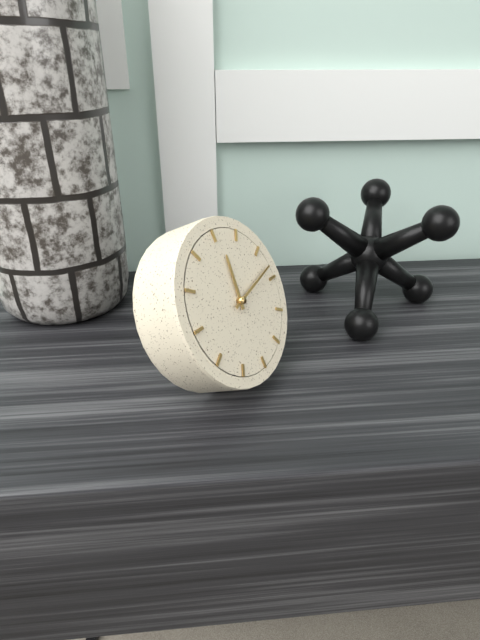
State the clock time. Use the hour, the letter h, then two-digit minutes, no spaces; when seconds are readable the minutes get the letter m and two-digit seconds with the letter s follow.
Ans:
12h13
